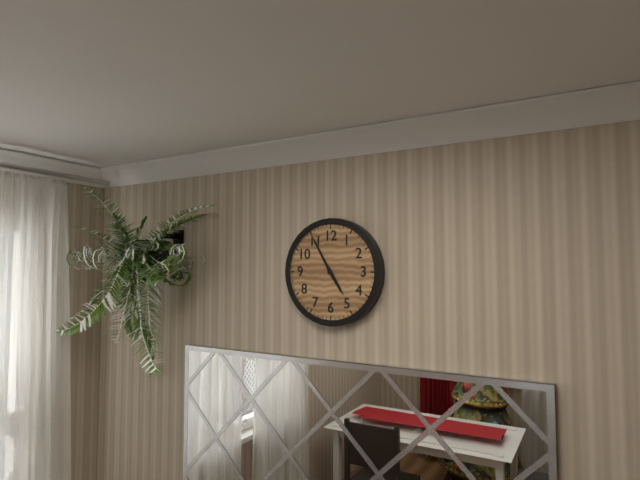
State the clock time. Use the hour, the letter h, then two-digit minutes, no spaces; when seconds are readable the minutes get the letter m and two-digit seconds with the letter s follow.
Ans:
4h55
